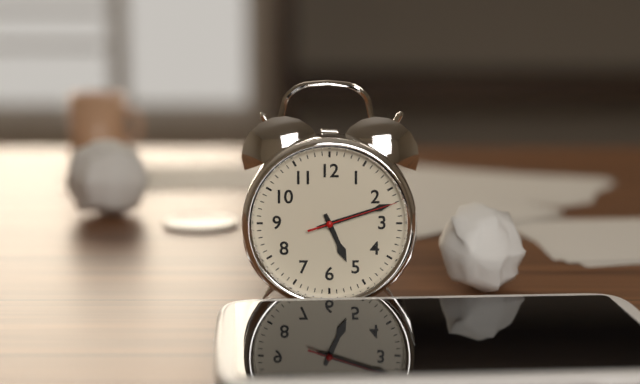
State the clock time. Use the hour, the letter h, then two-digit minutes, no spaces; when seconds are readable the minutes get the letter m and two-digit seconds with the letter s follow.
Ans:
5h12m12s
